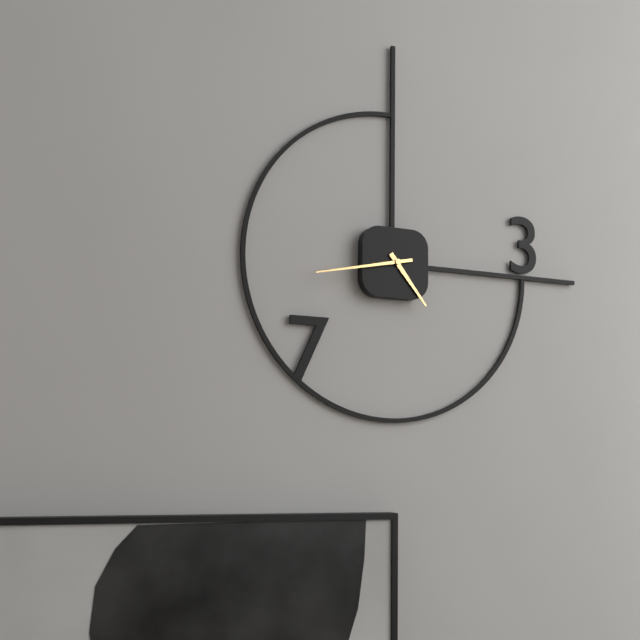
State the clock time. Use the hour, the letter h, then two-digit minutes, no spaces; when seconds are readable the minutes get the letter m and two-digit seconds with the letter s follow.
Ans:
4h43
